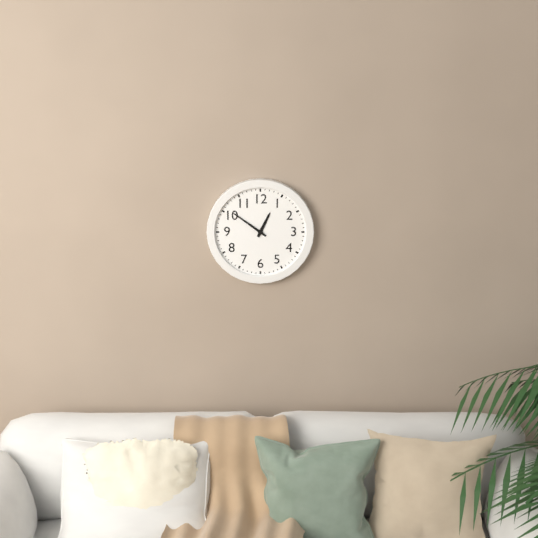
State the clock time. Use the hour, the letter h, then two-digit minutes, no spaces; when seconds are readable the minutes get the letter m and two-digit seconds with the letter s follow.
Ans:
12h51
